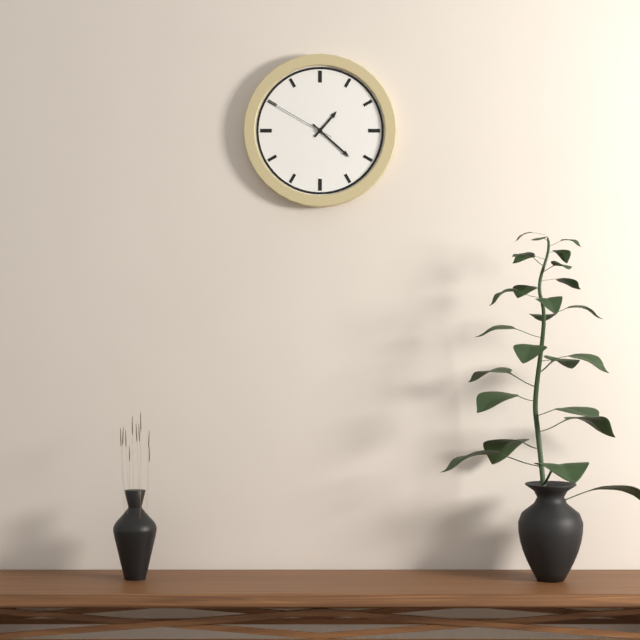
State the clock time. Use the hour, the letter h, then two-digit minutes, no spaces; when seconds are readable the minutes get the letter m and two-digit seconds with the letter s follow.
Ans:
1h22m50s
